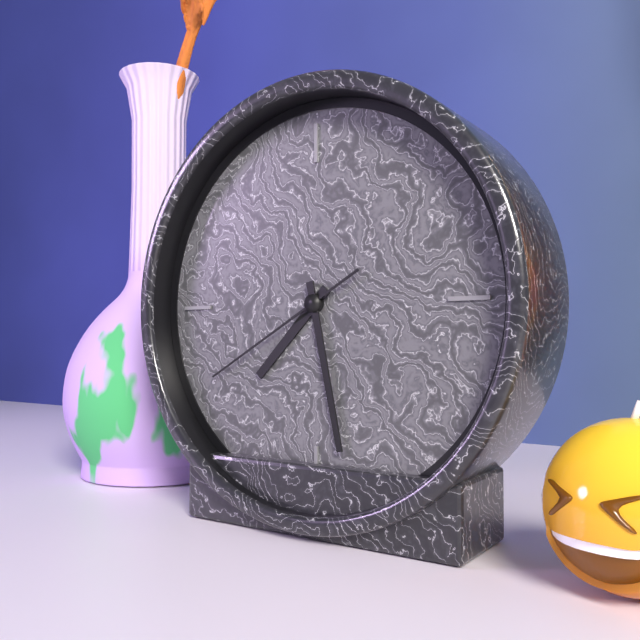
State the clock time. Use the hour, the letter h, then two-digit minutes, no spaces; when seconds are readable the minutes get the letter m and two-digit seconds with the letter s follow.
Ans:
7h28m40s
